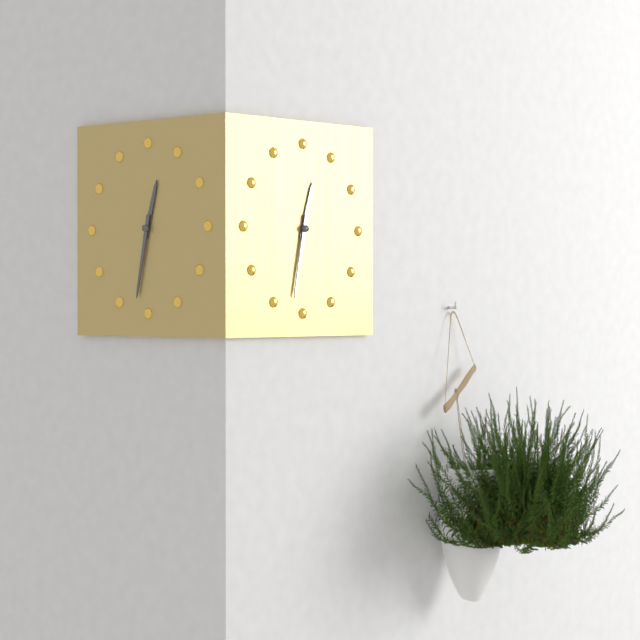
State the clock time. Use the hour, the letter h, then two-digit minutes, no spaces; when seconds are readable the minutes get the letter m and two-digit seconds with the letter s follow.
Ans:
12h32
